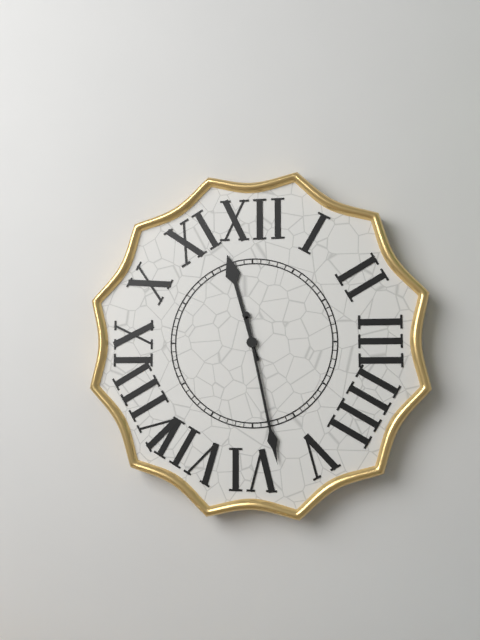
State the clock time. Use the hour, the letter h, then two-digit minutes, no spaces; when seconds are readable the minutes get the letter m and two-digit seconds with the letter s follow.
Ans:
11h28
